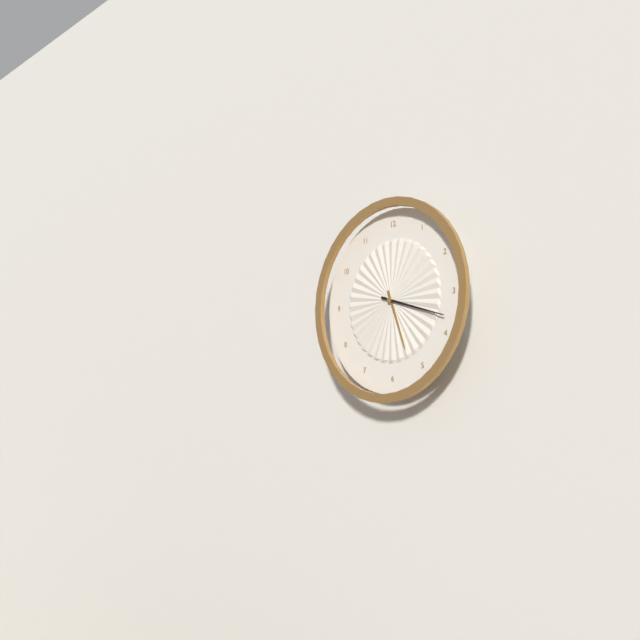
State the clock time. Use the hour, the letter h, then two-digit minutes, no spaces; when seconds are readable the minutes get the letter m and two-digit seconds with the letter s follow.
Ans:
5h18
